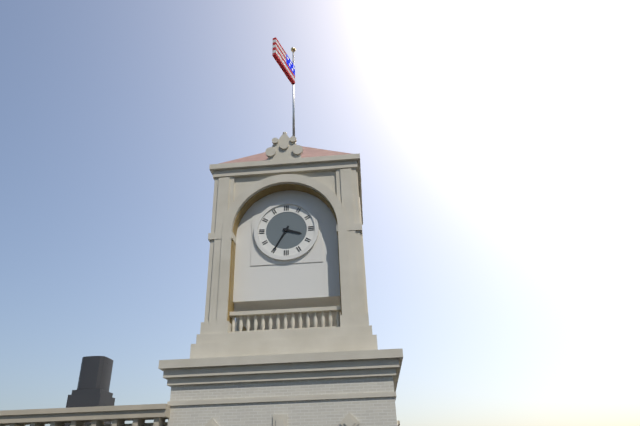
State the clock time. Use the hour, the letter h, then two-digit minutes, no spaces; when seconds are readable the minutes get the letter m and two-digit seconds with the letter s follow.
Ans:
3h35
